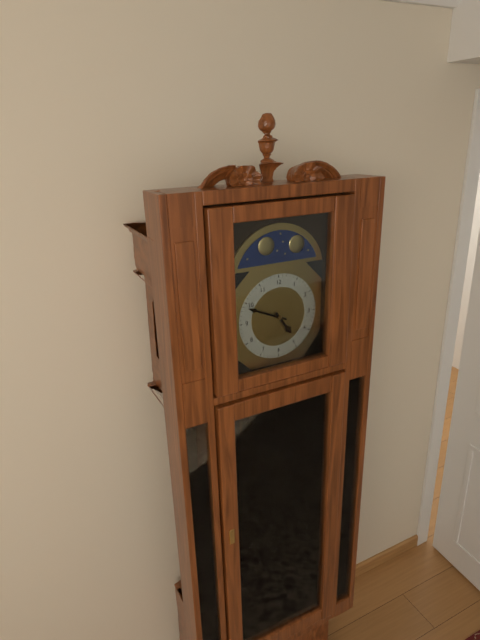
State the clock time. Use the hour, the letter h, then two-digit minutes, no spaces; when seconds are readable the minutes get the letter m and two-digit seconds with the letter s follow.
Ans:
4h49
